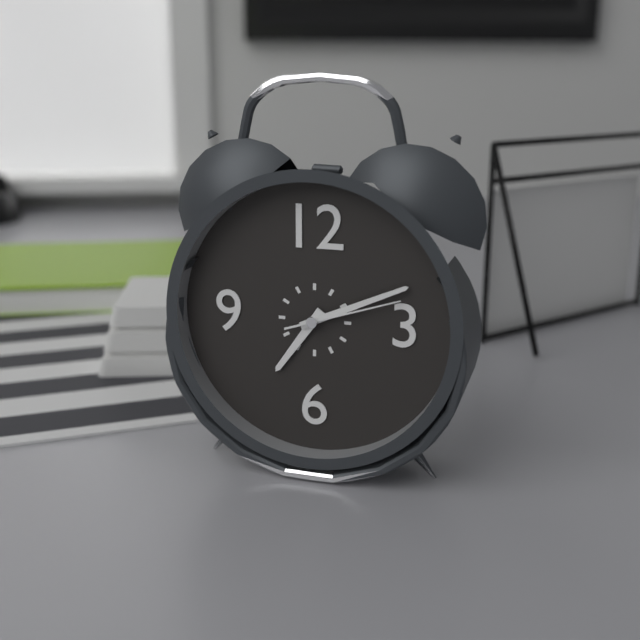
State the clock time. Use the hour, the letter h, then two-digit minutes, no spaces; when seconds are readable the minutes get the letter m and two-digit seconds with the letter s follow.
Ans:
7h11m12s
